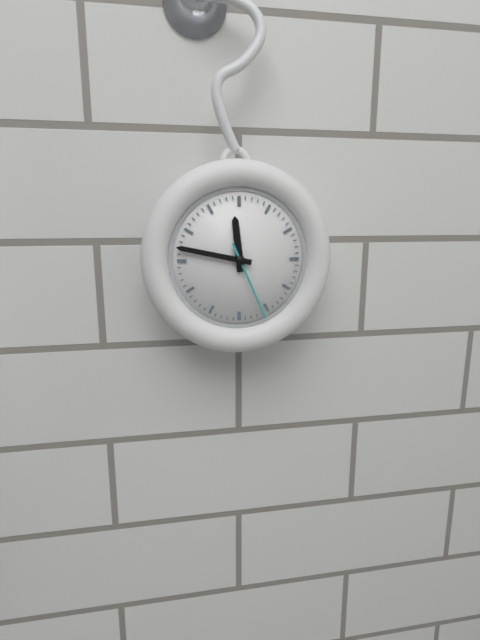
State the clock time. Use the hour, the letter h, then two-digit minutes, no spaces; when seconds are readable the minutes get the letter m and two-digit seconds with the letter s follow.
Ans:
11h47m26s
